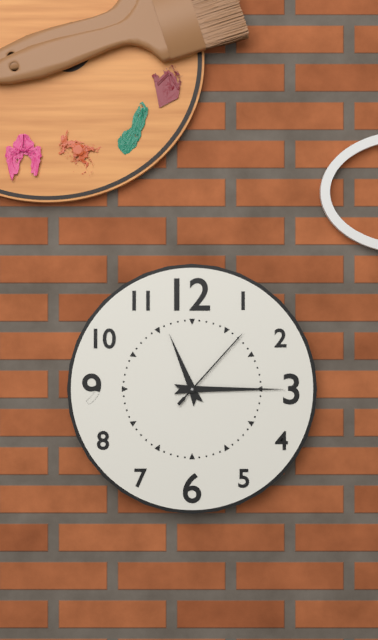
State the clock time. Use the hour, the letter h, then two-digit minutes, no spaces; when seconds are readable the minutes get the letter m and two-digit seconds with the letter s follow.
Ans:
11h15m07s
